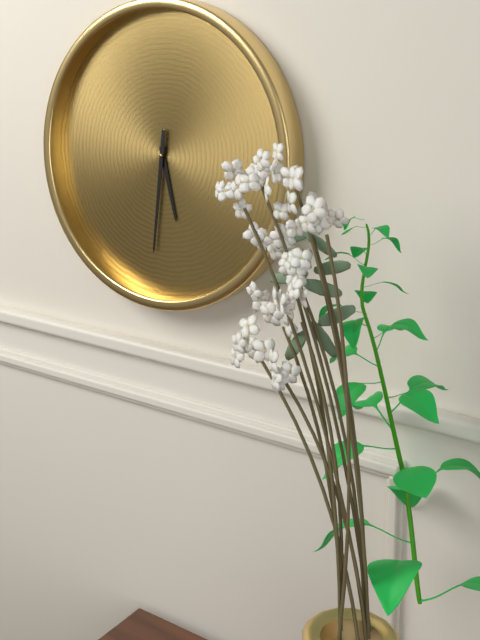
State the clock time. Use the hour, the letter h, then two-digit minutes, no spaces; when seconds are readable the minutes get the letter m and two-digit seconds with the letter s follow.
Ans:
5h31
